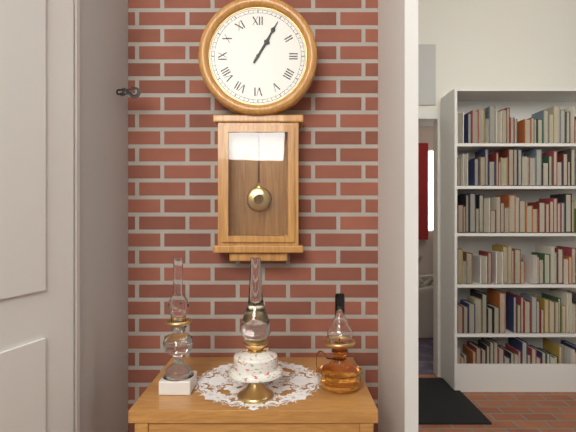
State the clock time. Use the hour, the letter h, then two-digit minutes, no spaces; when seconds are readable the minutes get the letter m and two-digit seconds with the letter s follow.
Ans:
1h05
